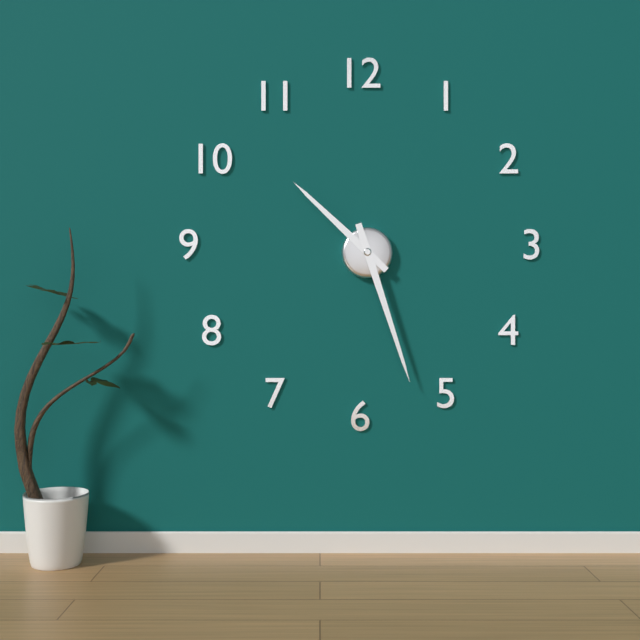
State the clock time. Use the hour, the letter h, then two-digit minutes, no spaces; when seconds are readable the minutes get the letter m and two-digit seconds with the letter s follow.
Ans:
10h27
